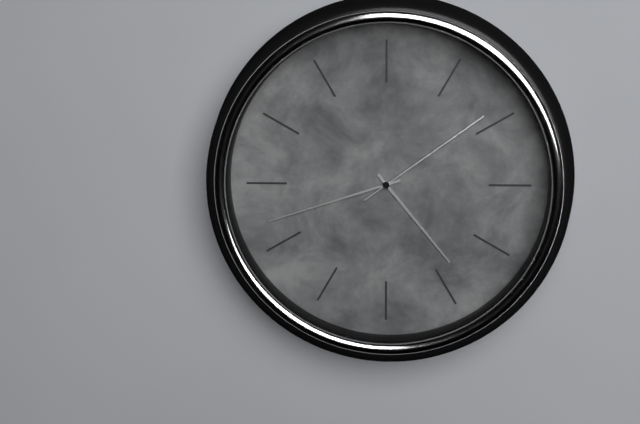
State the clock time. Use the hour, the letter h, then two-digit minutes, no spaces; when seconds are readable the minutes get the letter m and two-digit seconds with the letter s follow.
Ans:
4h42m09s
